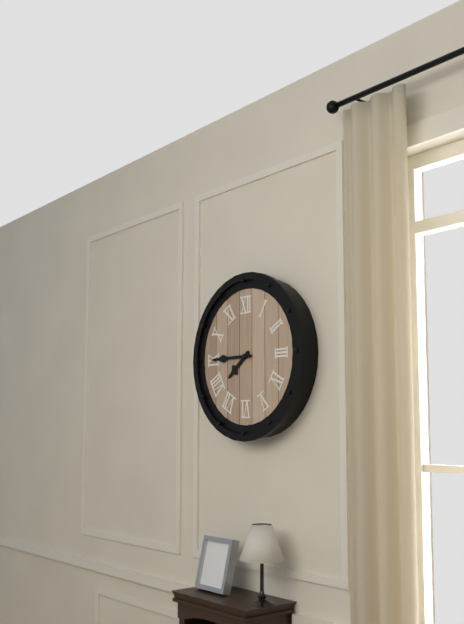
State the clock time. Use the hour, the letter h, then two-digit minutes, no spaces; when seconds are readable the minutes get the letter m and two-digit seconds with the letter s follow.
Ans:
7h45
